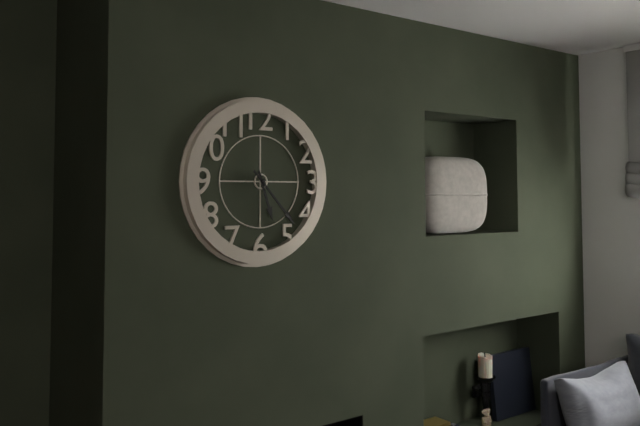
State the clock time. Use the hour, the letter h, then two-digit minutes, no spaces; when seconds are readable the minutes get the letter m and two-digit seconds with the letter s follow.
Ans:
5h23
